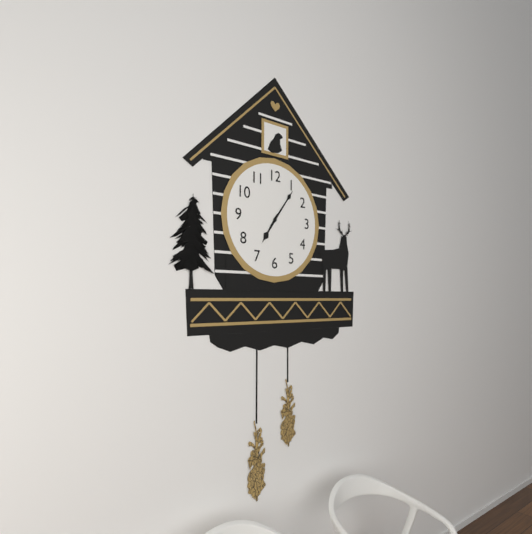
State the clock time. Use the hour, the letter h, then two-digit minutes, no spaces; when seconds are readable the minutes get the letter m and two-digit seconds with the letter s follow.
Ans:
7h06
